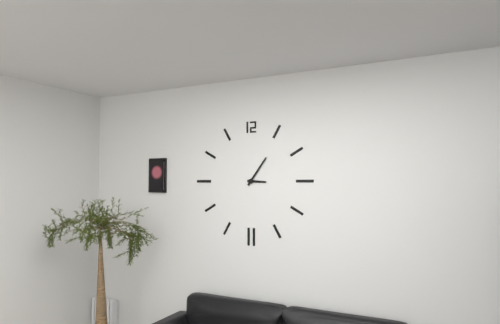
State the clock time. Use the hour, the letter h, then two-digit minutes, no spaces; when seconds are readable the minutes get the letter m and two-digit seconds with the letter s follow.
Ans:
3h06
